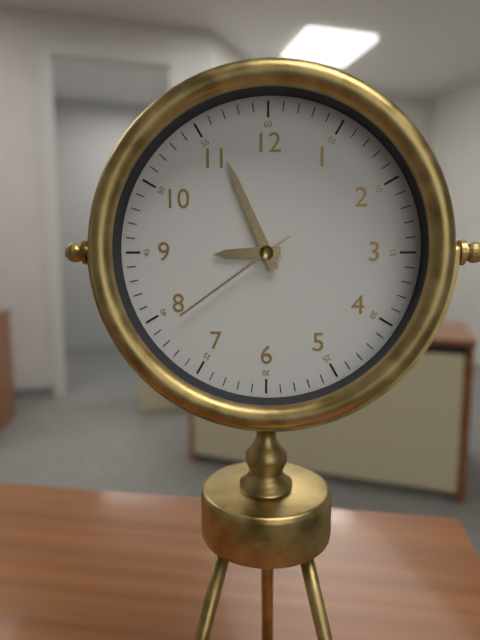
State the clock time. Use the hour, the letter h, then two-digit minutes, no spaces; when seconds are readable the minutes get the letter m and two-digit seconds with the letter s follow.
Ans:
8h56m39s
